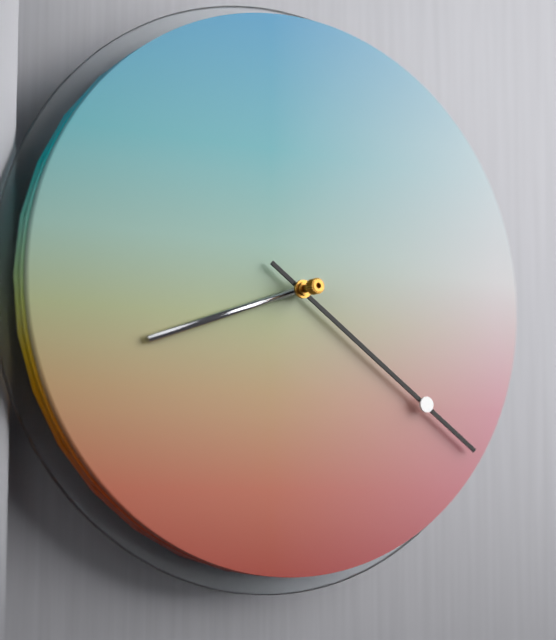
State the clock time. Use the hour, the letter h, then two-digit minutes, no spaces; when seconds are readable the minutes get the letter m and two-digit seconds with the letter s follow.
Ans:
8h21
